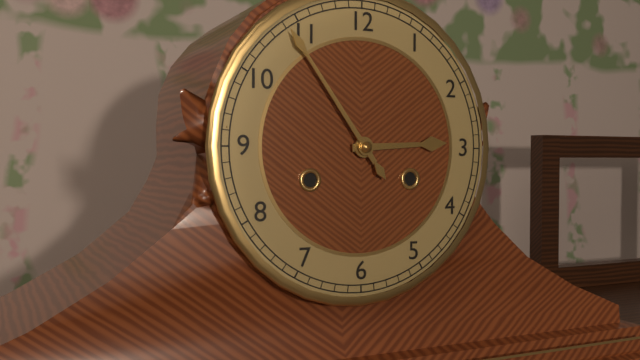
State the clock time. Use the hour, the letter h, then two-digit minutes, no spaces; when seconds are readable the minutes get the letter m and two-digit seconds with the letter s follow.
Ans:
2h54
